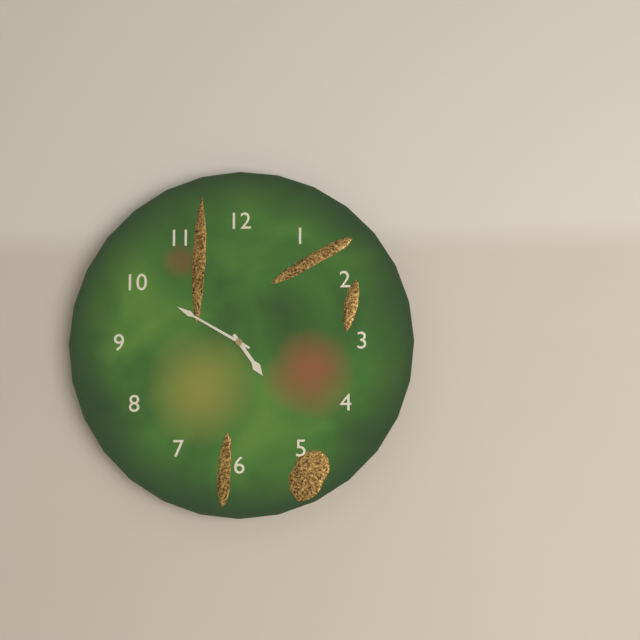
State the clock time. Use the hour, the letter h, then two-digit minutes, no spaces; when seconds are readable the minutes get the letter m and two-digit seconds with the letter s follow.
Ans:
4h50
